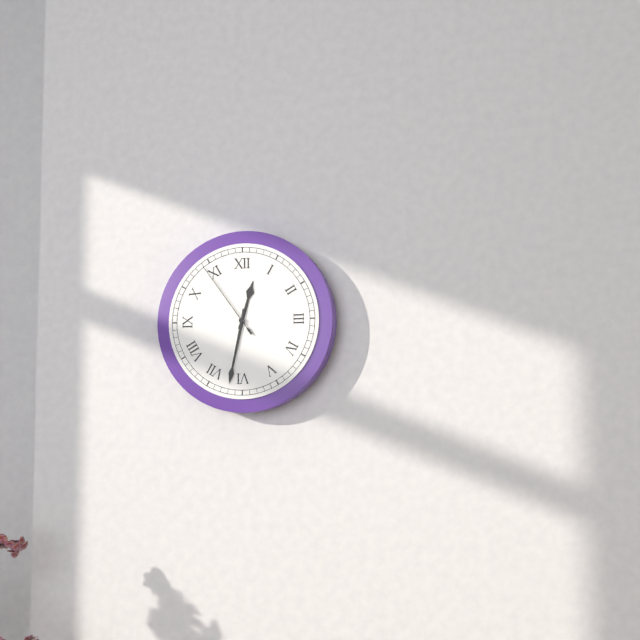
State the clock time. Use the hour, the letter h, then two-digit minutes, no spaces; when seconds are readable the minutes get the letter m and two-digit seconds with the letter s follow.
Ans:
12h32m54s
